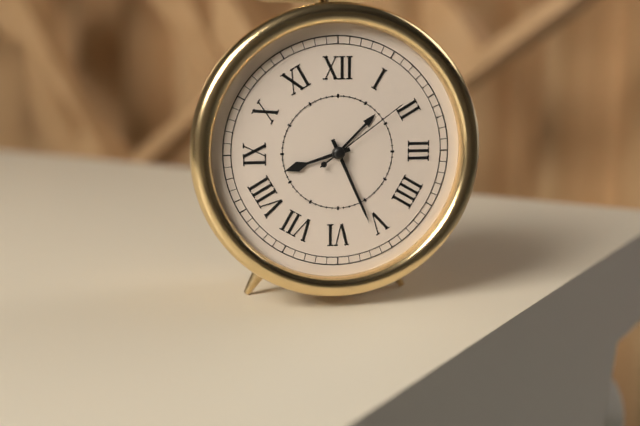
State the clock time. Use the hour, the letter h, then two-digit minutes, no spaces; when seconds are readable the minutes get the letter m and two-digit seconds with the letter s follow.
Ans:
8h26m09s
